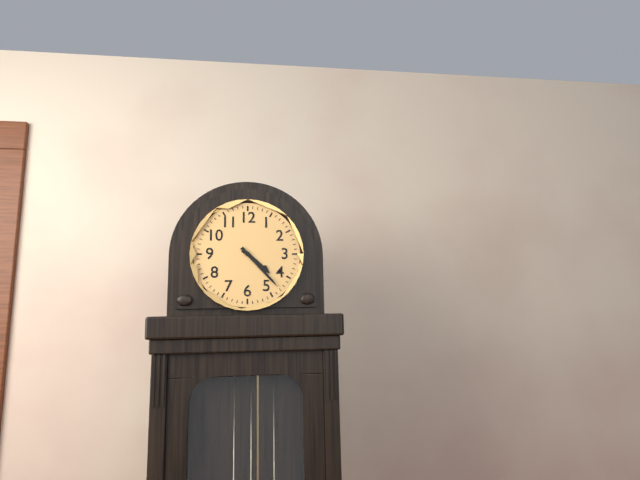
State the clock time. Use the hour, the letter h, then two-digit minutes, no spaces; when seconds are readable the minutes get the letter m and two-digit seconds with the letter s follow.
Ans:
4h23
